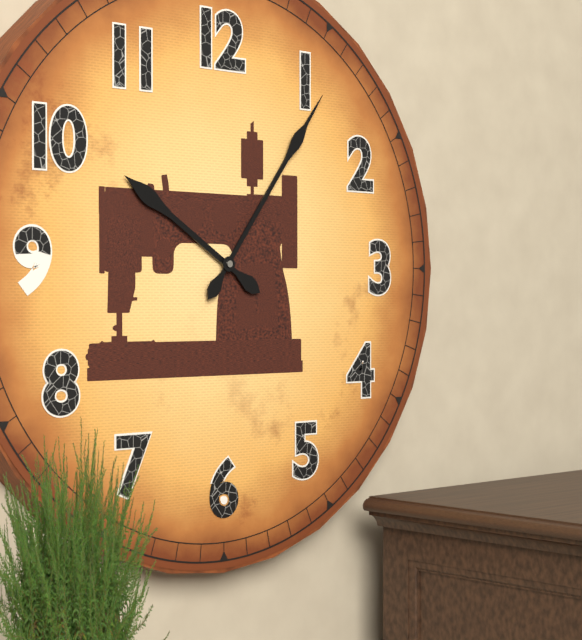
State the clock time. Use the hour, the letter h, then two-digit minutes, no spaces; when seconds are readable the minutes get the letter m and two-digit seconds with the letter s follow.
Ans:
10h06
